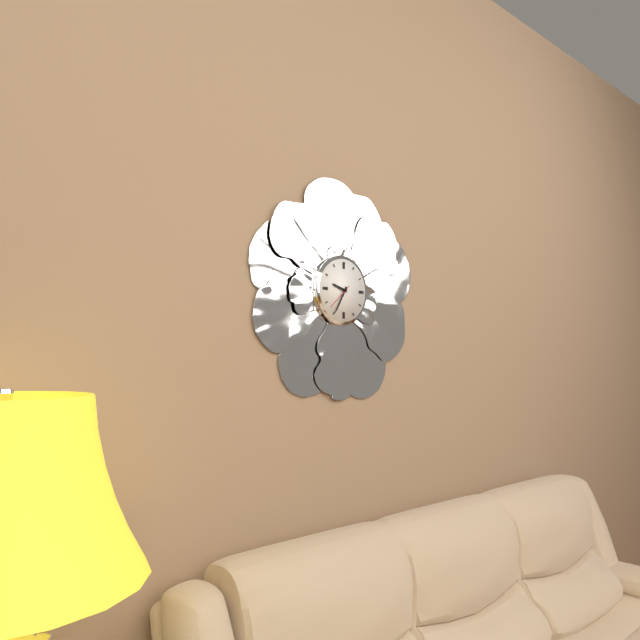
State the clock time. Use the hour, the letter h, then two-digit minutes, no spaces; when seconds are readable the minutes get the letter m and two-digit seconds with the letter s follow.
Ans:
9h35
